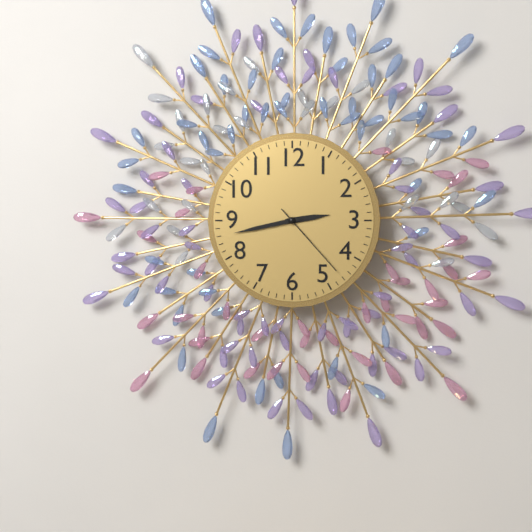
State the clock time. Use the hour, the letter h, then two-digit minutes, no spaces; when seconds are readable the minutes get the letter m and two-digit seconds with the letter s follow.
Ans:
2h43m23s
